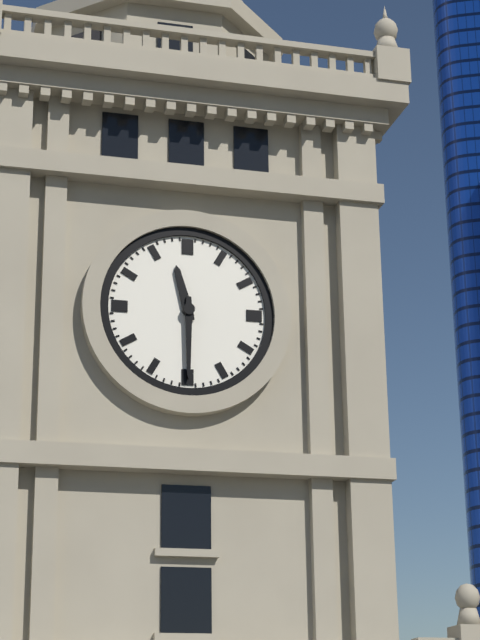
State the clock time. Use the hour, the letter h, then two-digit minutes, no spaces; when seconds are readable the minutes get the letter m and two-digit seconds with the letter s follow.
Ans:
11h30
